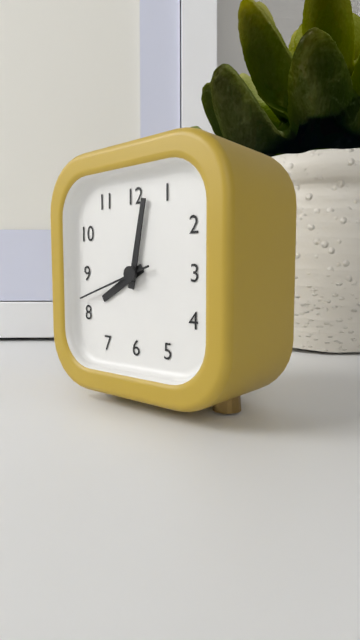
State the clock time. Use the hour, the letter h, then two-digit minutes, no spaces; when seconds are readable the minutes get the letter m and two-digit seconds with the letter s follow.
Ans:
8h02m42s
